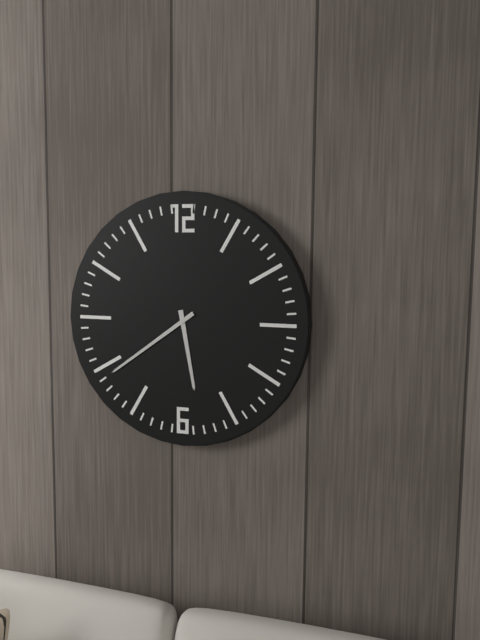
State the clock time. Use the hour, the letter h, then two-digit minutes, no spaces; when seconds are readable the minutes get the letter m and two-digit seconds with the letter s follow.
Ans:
5h39
